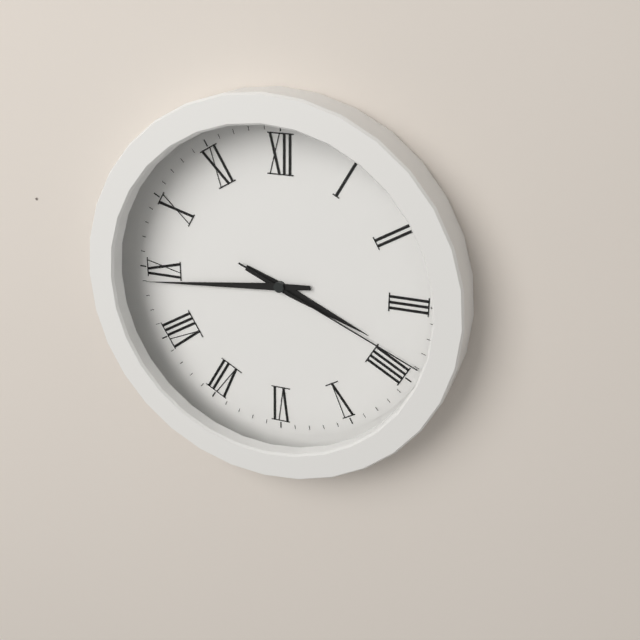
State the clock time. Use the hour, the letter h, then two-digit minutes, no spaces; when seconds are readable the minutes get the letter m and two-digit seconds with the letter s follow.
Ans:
3h44m19s
